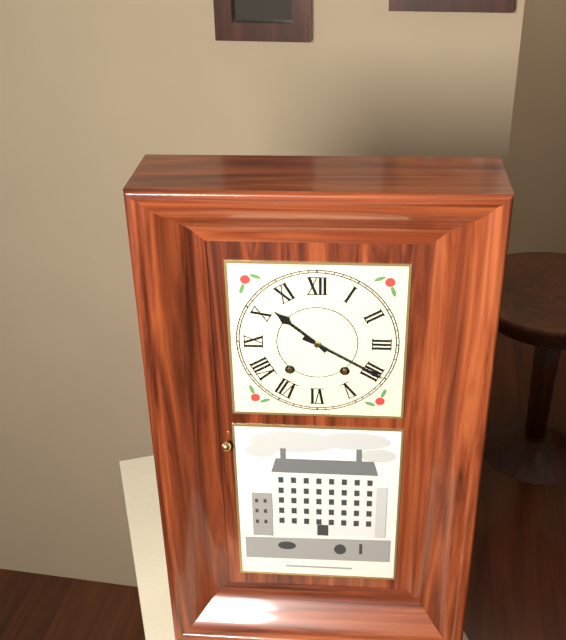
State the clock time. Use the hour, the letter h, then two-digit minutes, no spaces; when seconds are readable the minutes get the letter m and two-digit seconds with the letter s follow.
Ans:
10h20
